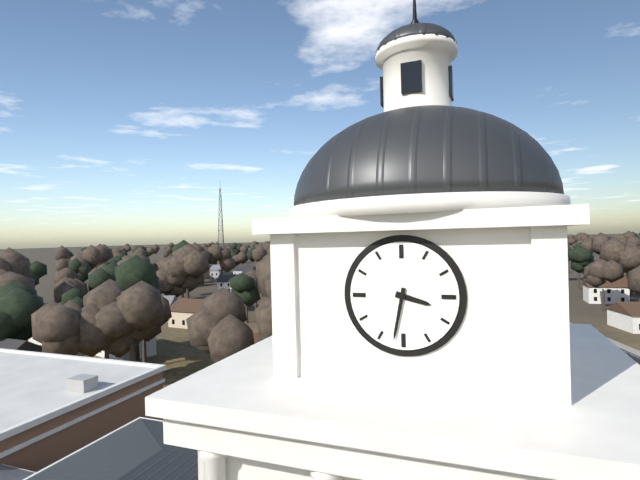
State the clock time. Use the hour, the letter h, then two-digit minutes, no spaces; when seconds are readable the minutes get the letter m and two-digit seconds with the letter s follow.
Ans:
3h32
